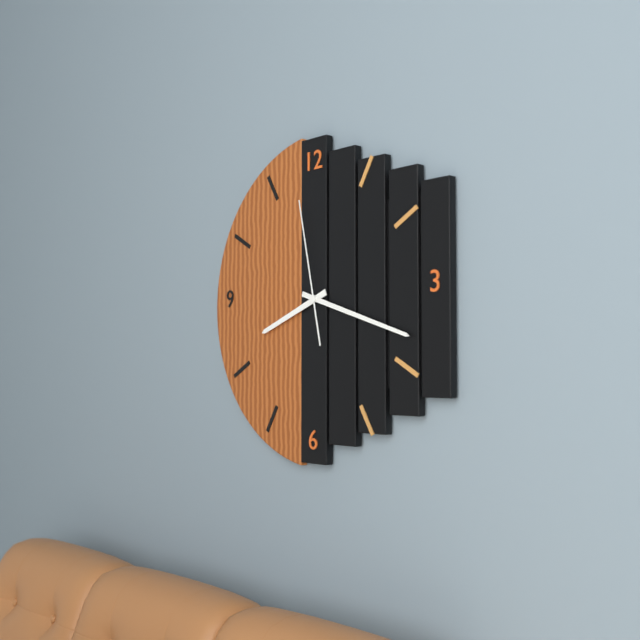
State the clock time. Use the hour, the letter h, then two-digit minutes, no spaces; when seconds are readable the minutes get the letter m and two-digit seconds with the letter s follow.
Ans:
8h18m58s
